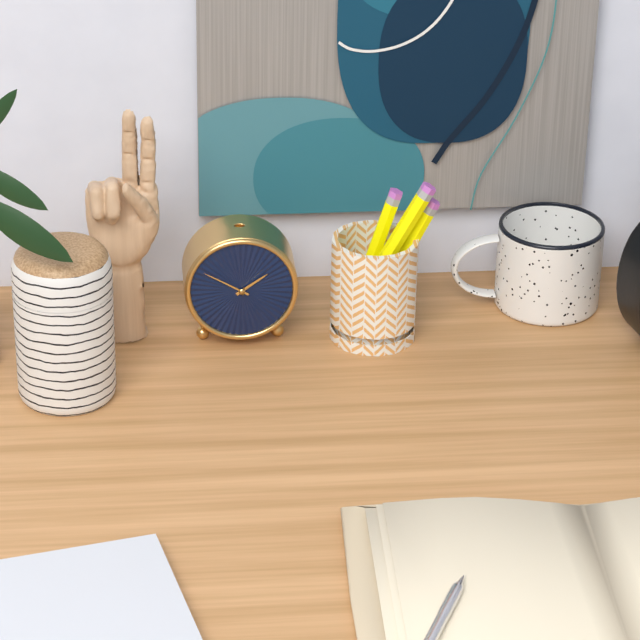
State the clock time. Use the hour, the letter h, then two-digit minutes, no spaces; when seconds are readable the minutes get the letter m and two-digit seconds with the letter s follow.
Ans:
1h50
